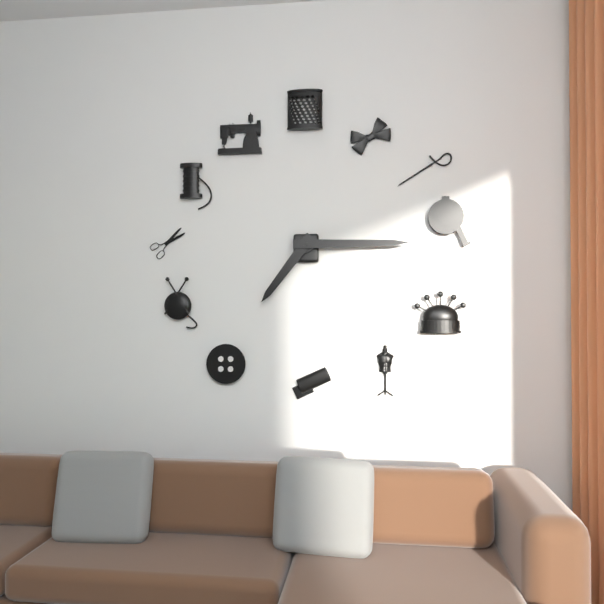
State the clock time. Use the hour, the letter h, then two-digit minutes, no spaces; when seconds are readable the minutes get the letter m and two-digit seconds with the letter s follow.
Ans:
7h15
